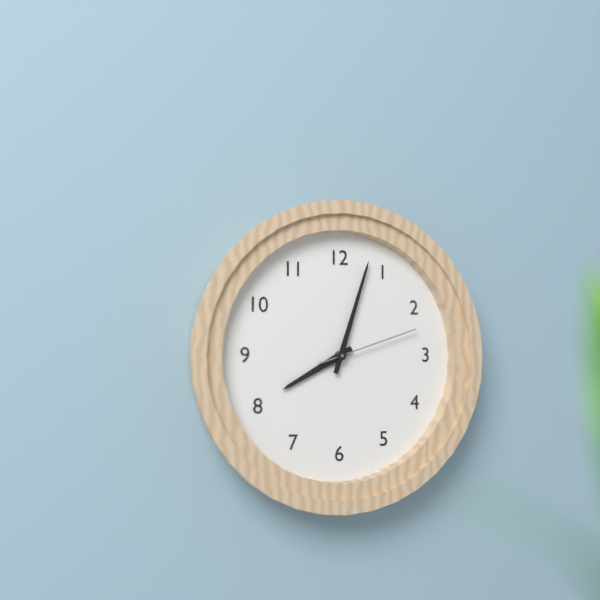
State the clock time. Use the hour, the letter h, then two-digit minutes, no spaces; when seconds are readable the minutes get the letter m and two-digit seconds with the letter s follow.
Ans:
8h03m12s
